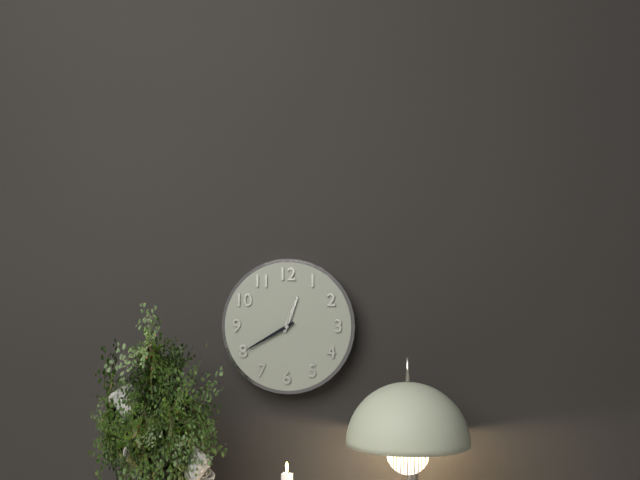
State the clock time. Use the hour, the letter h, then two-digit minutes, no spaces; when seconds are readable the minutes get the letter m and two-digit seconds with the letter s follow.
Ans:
12h40
